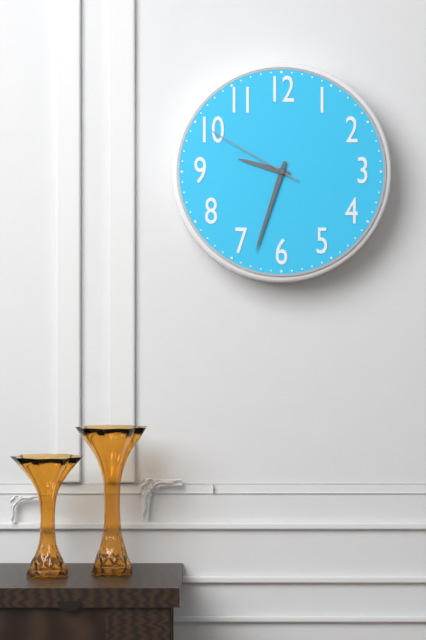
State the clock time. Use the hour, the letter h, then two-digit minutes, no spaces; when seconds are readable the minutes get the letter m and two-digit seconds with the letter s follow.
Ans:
9h33m50s
